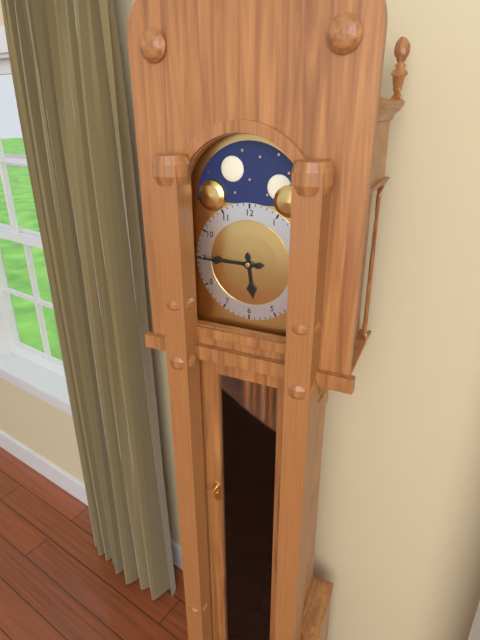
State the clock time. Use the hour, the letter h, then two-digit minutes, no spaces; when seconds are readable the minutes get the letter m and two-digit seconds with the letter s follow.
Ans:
5h45
